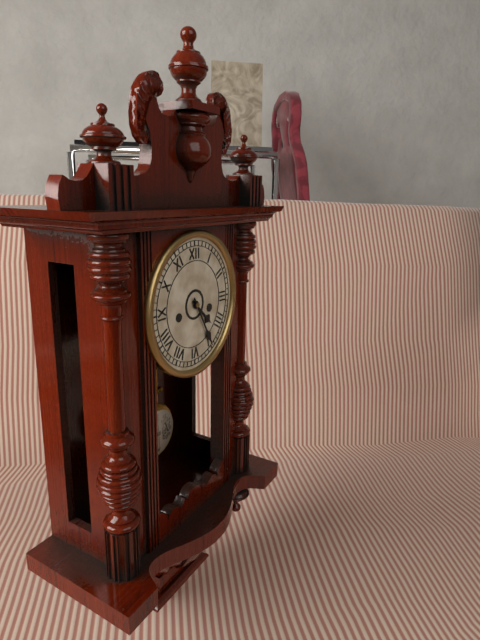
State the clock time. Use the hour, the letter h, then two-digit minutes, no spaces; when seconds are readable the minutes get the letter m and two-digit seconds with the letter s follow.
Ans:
4h25
